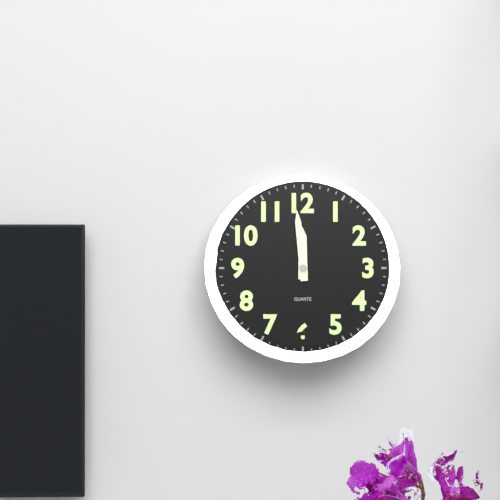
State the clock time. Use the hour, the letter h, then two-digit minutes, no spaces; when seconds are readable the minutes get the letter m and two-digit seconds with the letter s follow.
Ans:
11h59
